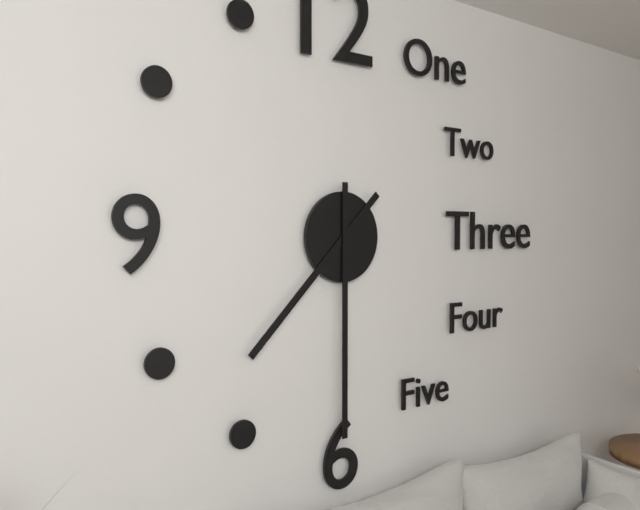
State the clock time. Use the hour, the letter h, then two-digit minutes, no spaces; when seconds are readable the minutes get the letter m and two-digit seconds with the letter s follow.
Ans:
7h30
